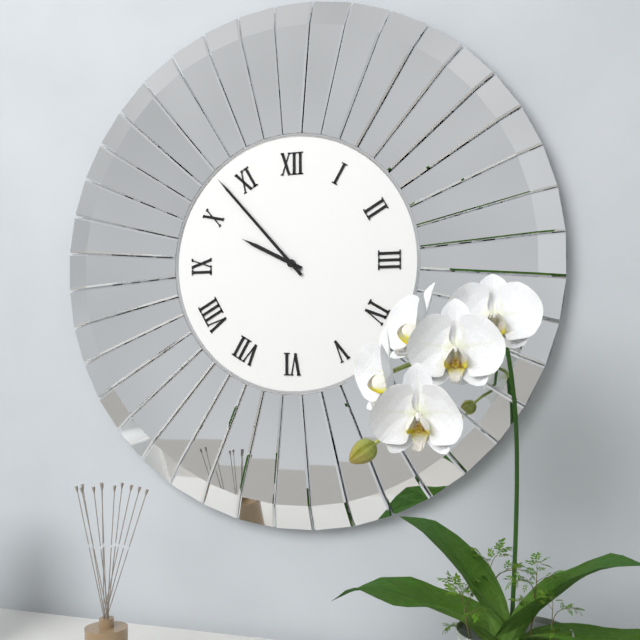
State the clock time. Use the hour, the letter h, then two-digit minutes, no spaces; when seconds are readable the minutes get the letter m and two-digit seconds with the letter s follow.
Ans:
9h53
